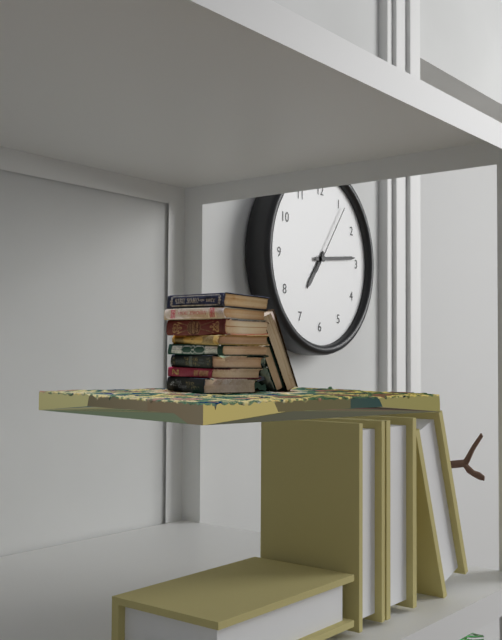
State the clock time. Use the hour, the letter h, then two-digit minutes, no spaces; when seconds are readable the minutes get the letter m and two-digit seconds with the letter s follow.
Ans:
7h14m06s
